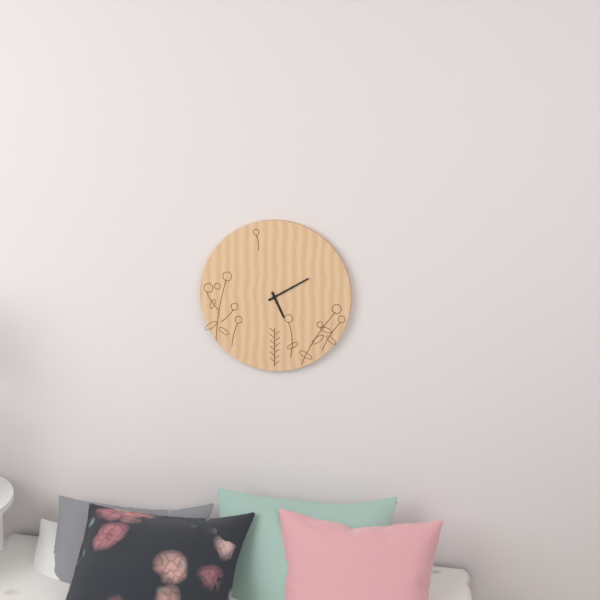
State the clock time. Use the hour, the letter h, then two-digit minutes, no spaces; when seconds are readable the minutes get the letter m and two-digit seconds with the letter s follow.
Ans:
5h10
